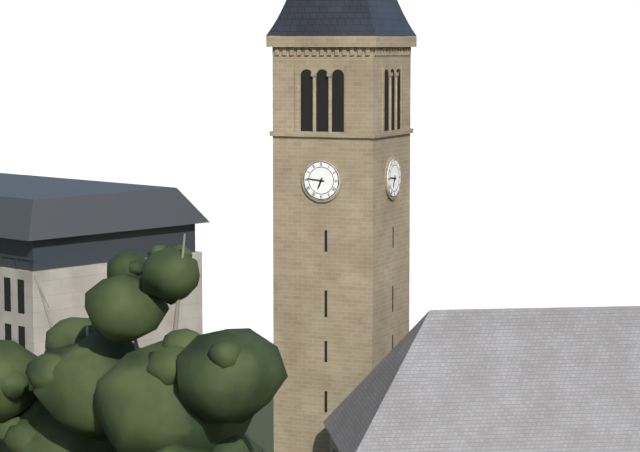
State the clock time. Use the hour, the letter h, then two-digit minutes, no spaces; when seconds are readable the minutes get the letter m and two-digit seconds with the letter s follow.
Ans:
6h46
